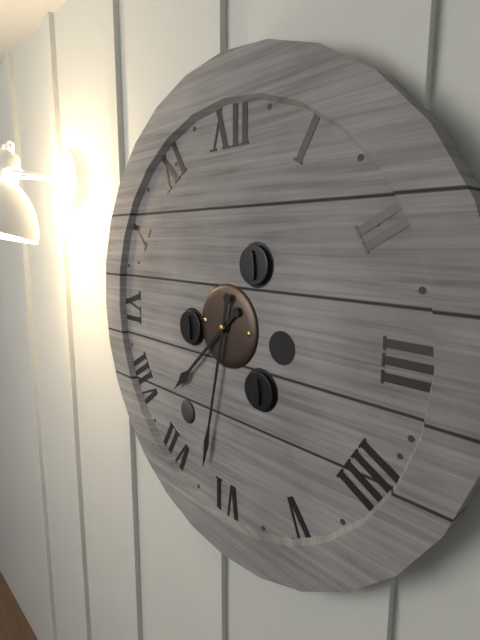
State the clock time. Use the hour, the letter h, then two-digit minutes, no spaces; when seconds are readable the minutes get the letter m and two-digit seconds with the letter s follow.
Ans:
7h32
